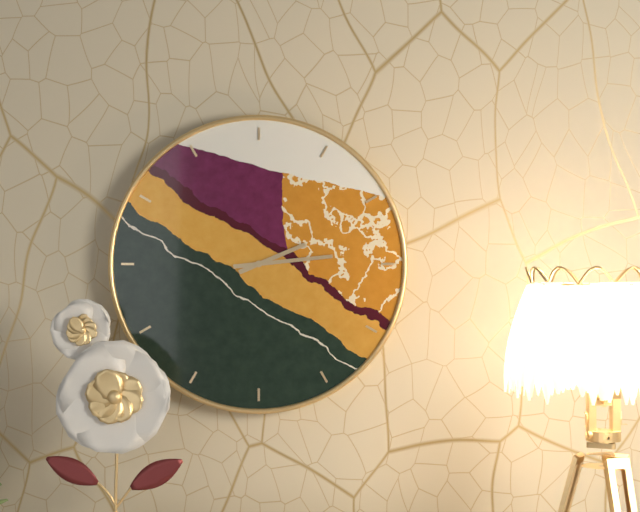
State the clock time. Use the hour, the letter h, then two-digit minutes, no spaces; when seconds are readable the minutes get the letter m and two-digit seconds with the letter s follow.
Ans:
2h14
